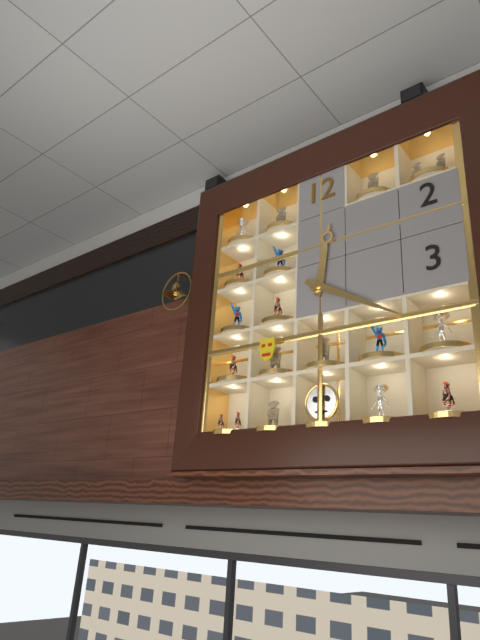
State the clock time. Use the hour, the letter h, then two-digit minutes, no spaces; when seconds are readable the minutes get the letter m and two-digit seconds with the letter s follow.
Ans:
12h20
